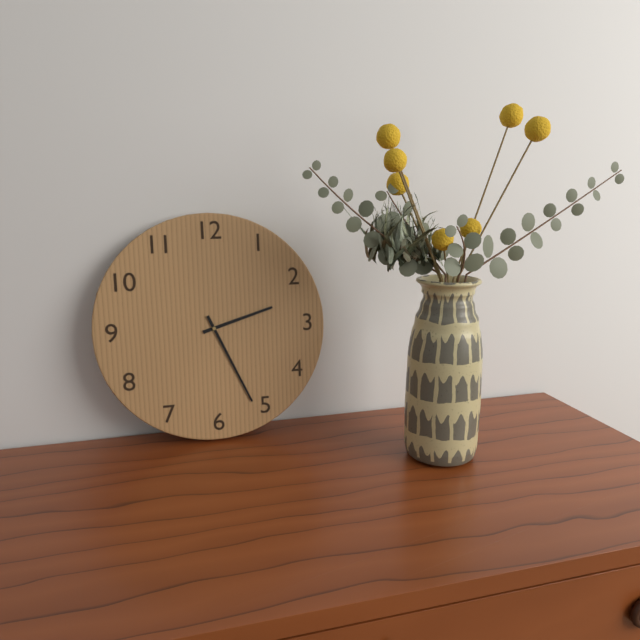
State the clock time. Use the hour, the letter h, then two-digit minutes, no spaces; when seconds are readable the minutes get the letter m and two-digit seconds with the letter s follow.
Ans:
2h26
